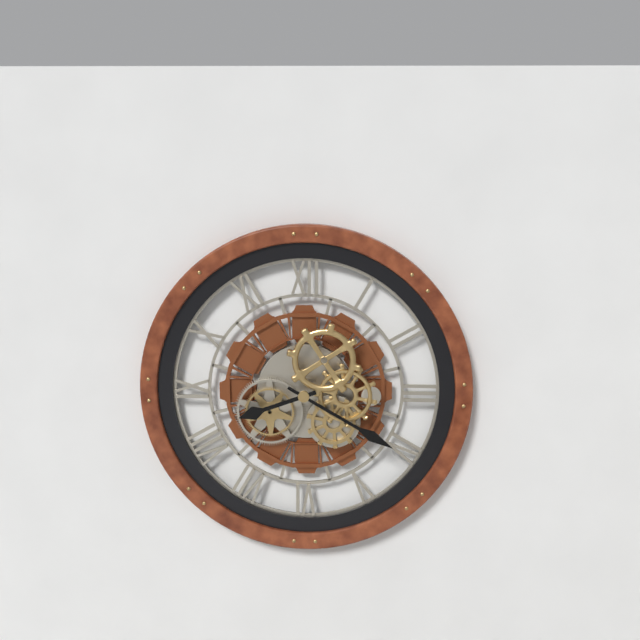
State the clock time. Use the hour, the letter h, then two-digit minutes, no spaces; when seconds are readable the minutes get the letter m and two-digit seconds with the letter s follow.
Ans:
8h20
